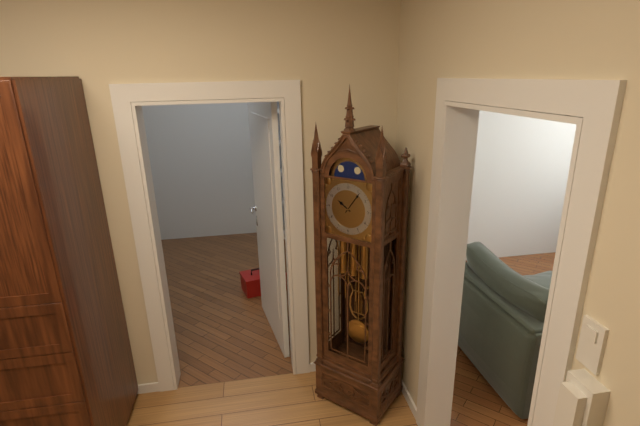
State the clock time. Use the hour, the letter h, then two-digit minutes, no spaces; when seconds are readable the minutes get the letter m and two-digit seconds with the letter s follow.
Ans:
10h06
